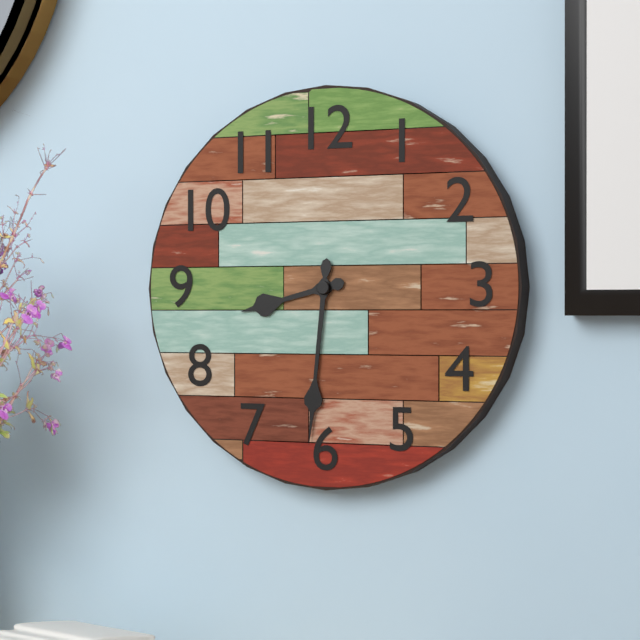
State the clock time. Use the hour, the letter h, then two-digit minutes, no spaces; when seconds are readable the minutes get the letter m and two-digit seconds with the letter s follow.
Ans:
8h31
